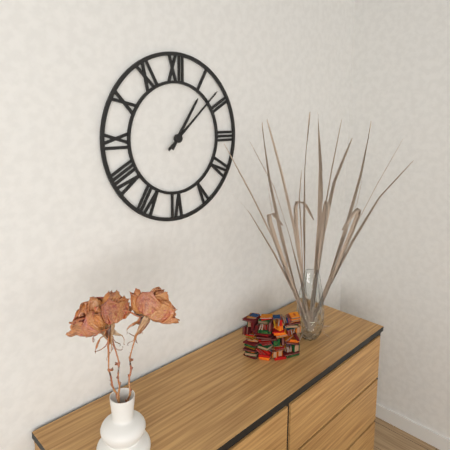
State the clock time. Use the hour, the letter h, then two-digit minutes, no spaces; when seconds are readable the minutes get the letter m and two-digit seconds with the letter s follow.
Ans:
1h08
